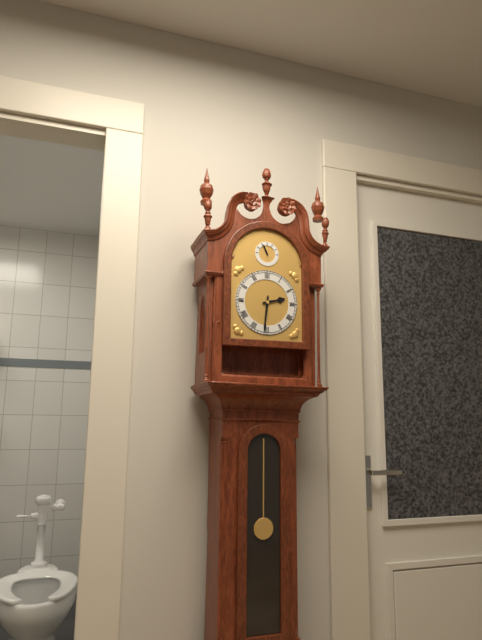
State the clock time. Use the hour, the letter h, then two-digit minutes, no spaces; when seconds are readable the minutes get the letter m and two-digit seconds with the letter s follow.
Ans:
2h31
